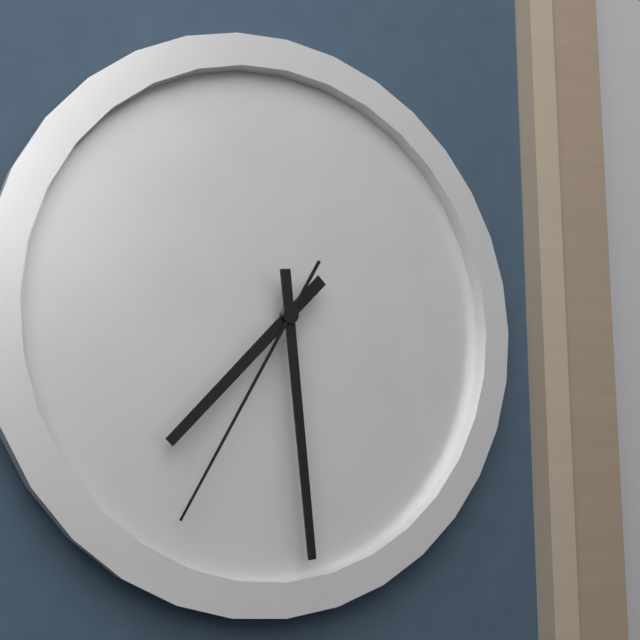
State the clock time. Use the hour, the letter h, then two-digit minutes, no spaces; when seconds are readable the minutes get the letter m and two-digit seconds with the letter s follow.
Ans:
7h29m35s
